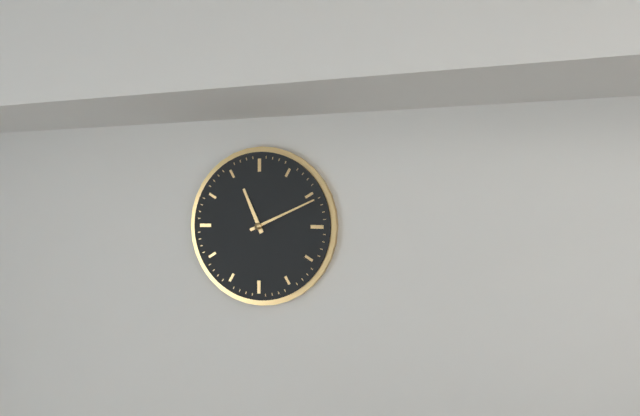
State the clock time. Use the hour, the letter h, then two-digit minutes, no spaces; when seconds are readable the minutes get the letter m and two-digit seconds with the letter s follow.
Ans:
11h11
